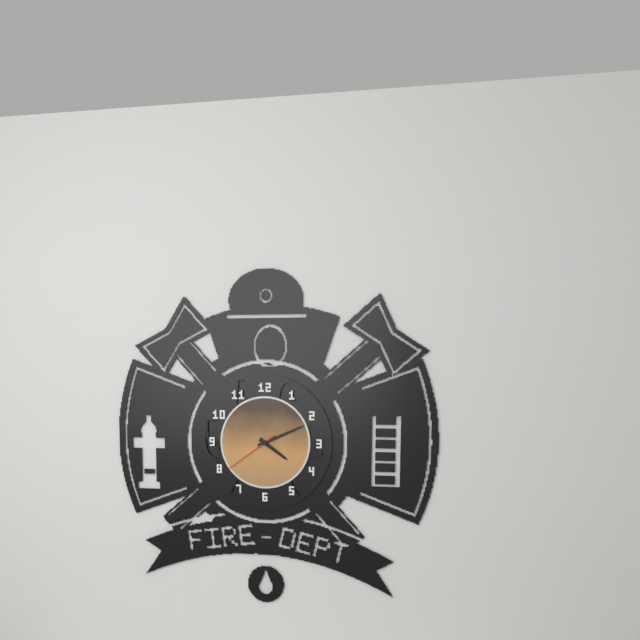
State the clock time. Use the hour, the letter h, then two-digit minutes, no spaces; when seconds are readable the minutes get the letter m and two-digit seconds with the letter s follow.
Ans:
4h11m39s
